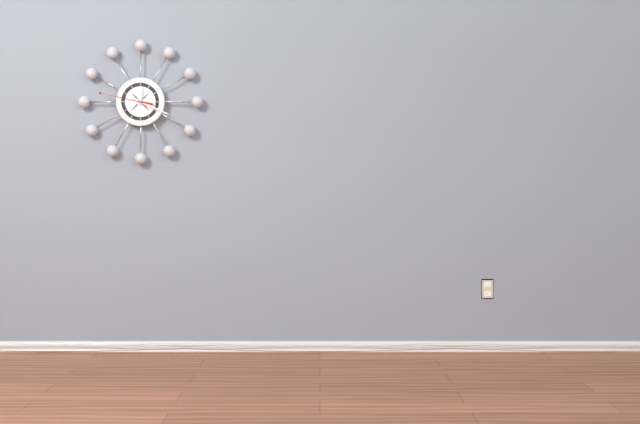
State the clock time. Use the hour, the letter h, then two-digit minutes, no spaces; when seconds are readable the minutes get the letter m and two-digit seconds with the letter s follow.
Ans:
12h19m47s
